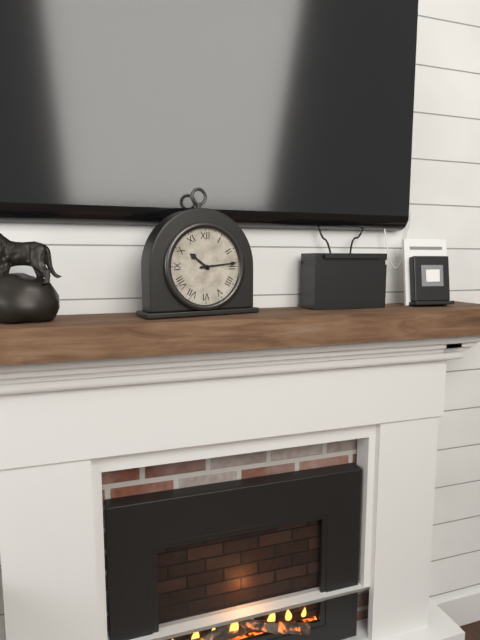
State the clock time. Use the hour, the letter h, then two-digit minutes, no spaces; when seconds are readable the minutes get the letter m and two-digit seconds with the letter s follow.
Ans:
10h14
